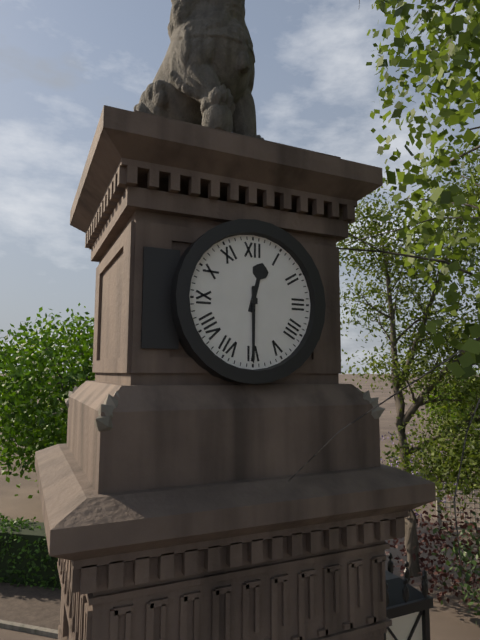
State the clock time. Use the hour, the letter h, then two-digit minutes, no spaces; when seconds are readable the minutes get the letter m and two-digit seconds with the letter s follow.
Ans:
12h30
